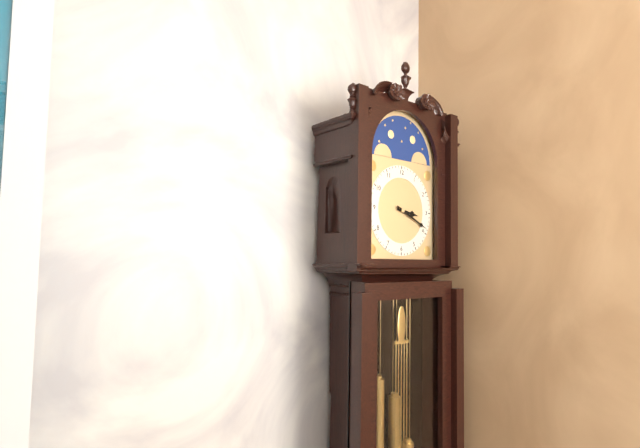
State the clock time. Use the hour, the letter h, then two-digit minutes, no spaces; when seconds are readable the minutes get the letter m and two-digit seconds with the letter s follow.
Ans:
3h19
